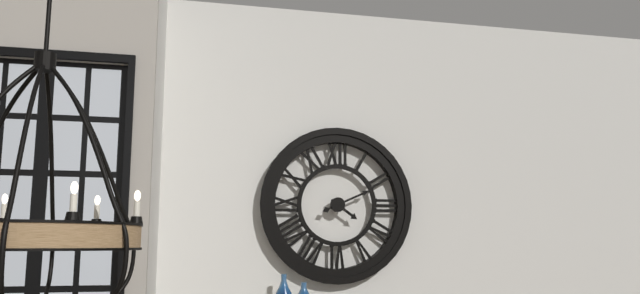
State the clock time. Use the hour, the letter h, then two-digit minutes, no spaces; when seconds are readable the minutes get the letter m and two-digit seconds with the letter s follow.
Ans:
4h11
